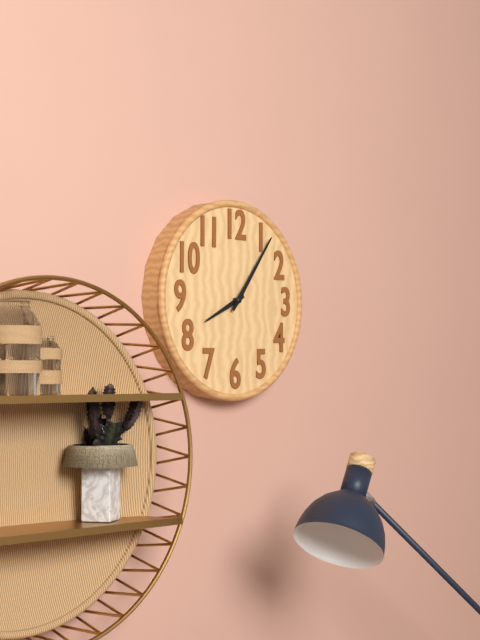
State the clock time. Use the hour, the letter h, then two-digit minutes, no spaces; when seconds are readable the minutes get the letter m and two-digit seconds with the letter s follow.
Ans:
8h06
